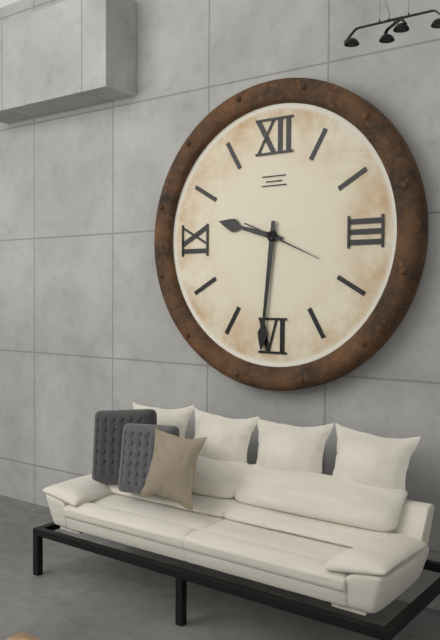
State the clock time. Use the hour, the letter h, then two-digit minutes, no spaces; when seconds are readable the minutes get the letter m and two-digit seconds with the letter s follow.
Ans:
9h31m19s
